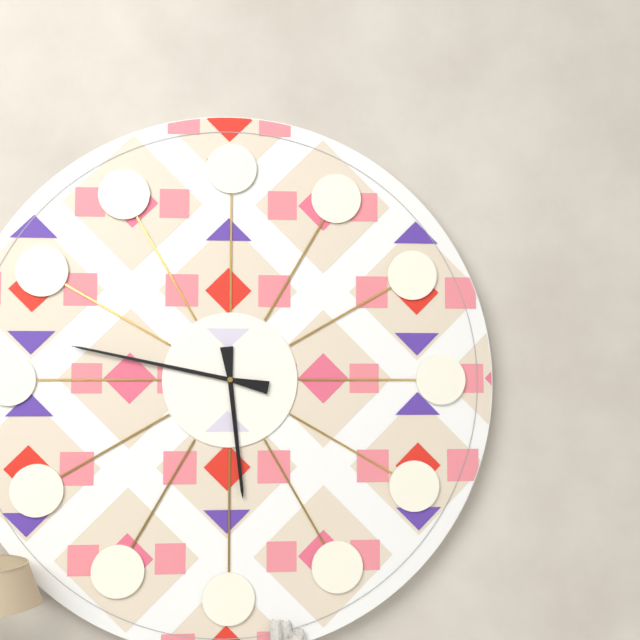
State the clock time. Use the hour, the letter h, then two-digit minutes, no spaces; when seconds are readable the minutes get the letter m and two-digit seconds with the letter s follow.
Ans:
5h47
